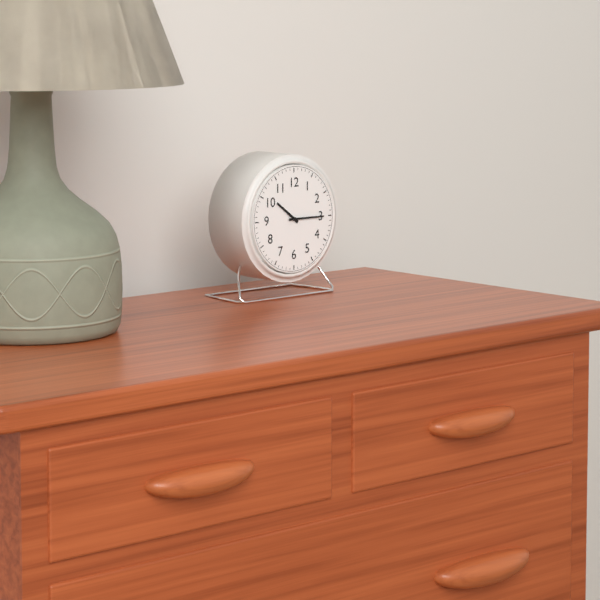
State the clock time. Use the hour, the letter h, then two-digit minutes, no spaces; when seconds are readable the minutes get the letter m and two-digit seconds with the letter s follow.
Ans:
10h15
